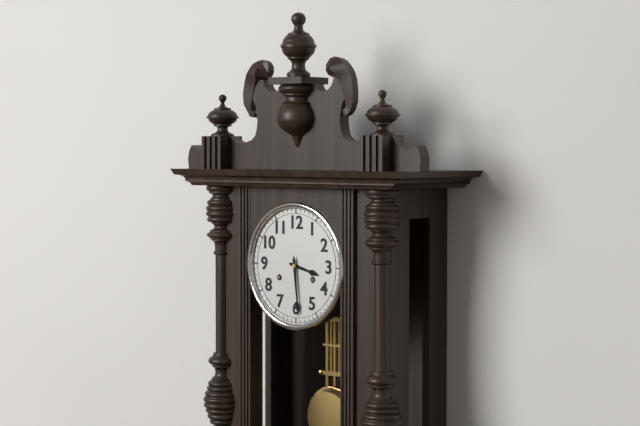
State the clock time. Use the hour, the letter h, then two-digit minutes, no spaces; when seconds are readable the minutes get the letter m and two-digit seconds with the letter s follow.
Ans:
3h29
